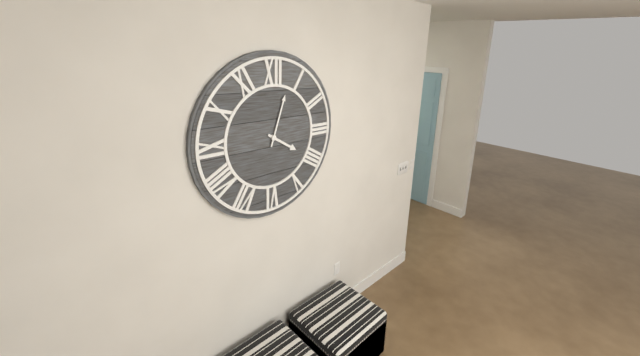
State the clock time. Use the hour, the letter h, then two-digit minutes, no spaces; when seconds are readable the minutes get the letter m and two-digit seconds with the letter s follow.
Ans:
4h03
